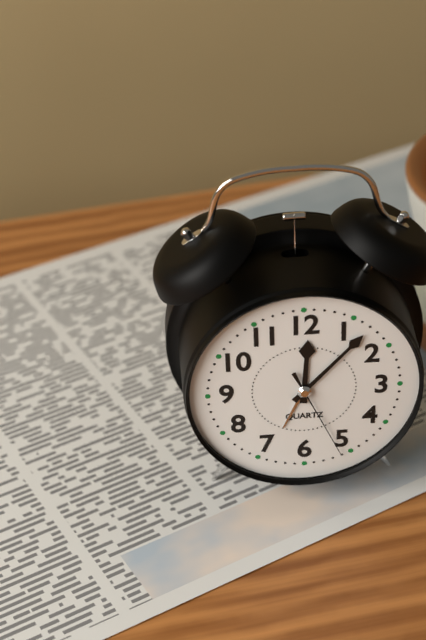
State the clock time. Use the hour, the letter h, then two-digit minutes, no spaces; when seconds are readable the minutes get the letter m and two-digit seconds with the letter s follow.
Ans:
12h07m26s
